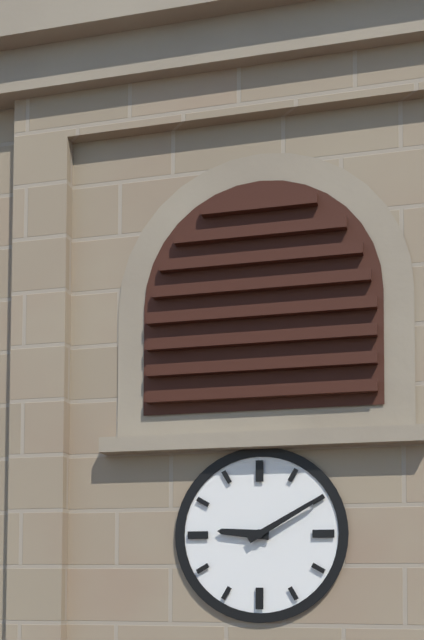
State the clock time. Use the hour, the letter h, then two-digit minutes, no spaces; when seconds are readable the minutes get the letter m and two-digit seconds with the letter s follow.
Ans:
9h10
